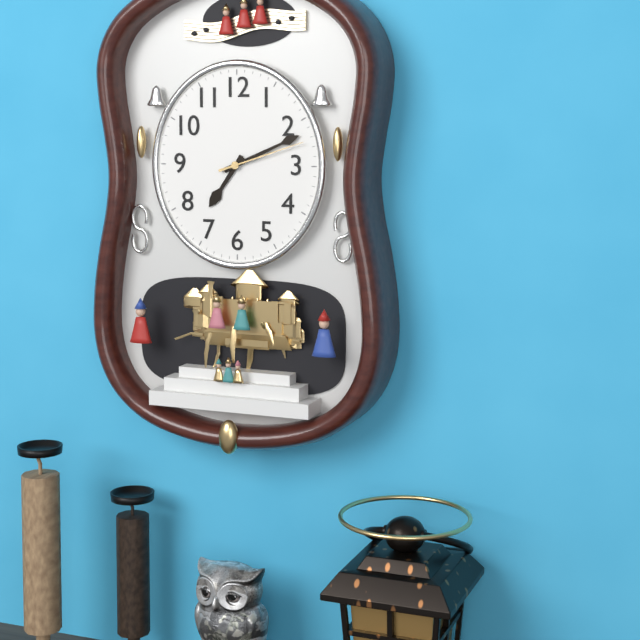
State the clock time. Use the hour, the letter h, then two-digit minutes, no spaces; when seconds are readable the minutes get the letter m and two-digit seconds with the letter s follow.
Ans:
7h11m12s
